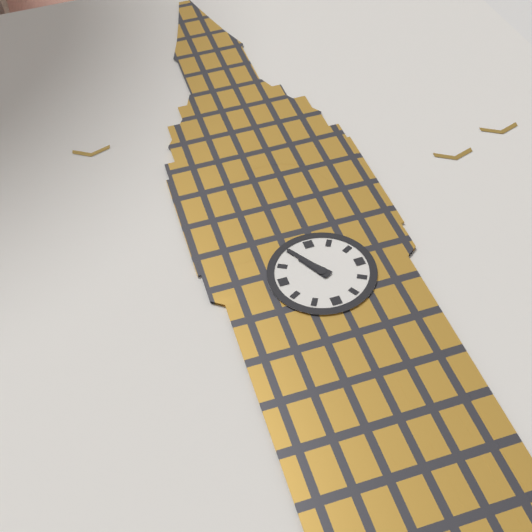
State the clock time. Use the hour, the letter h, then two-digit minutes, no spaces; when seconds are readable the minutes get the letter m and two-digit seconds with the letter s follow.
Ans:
10h55
